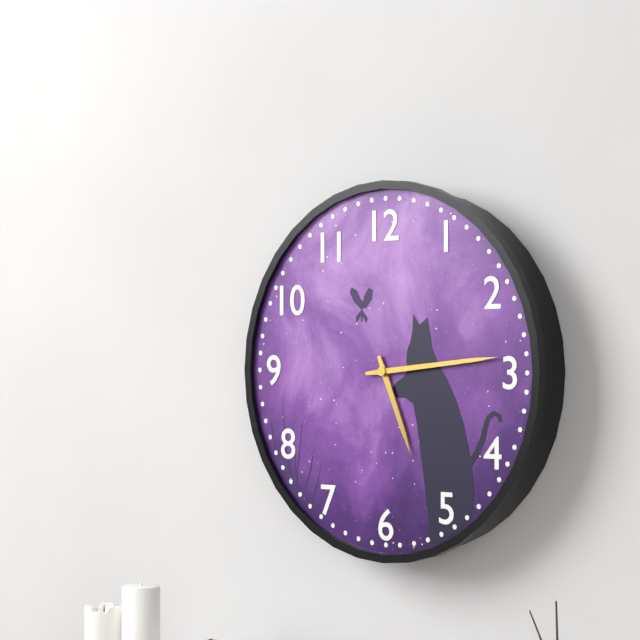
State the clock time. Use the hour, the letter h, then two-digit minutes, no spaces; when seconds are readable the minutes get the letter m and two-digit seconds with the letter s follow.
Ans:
5h14
